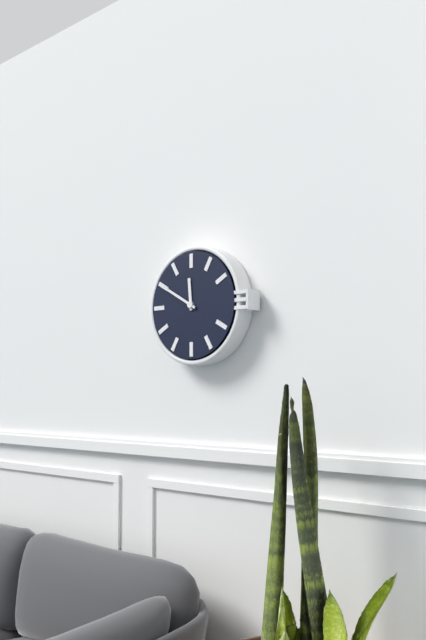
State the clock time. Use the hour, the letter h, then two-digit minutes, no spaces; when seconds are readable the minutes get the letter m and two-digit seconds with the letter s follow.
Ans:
11h50
